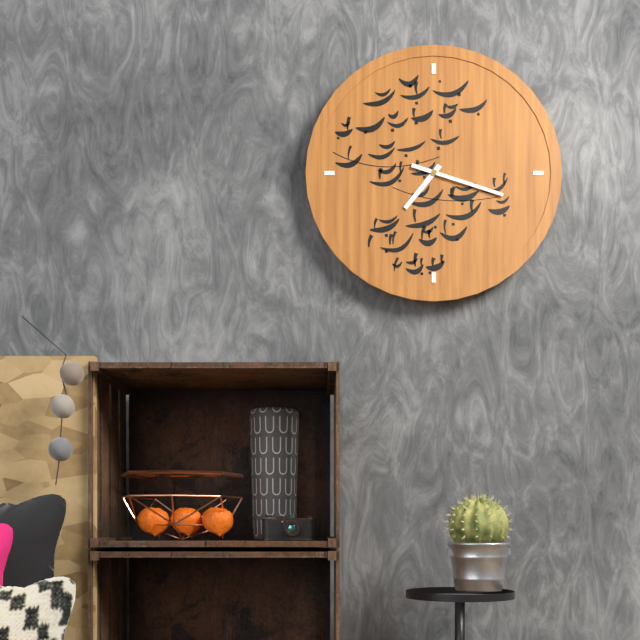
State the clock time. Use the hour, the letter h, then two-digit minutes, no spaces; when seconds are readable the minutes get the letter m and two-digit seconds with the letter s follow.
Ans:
7h18
